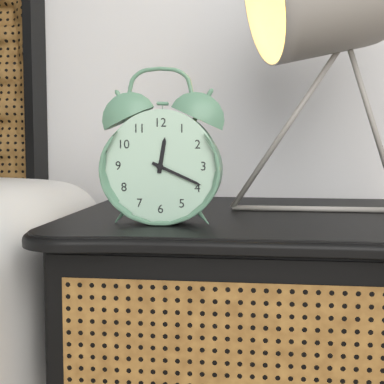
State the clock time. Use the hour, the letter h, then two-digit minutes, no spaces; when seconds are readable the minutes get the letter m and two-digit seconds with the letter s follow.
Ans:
12h19
